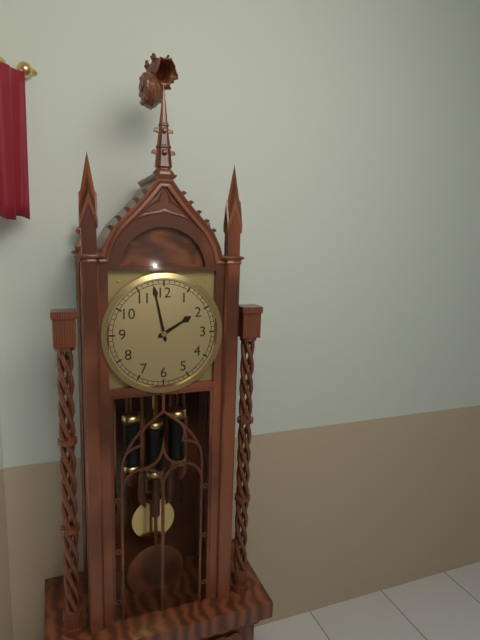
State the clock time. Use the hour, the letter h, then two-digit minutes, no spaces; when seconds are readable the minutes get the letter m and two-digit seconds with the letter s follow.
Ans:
1h58
